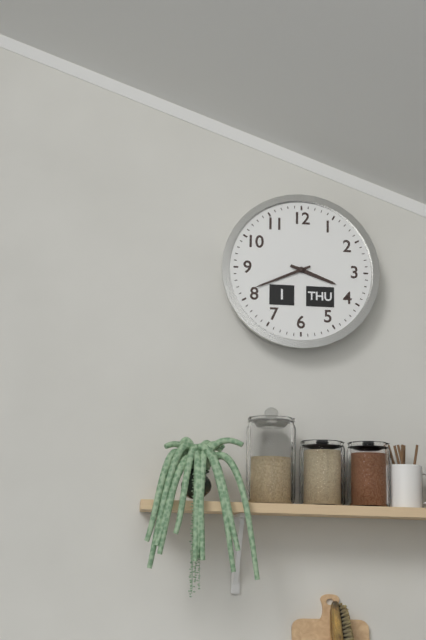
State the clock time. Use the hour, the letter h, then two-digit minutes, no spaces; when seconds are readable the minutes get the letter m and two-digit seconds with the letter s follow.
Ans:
3h41
